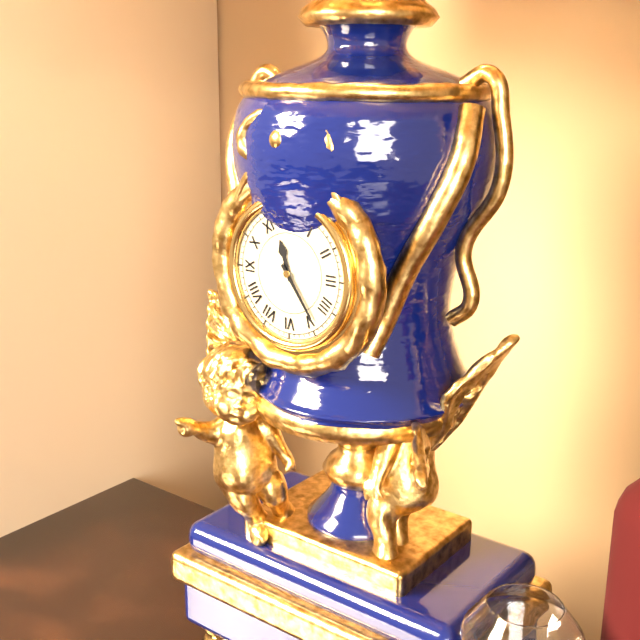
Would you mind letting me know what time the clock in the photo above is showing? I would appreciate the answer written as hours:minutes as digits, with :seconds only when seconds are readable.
11:24
